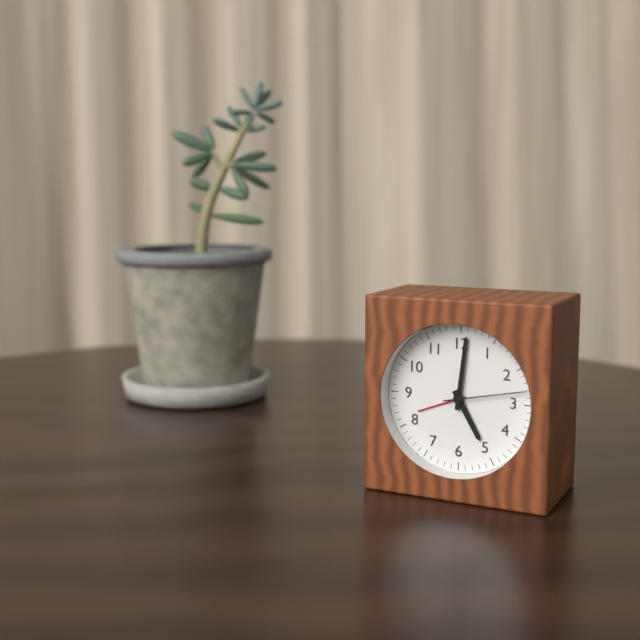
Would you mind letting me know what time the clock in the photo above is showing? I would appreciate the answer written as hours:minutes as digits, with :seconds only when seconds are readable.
5:01:13
